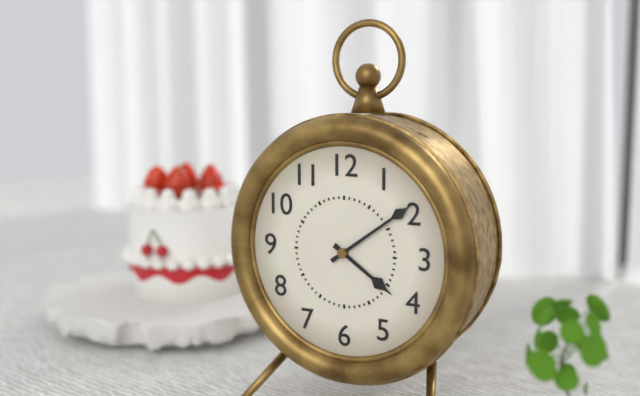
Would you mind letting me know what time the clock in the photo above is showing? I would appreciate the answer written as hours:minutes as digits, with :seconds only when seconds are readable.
4:09
